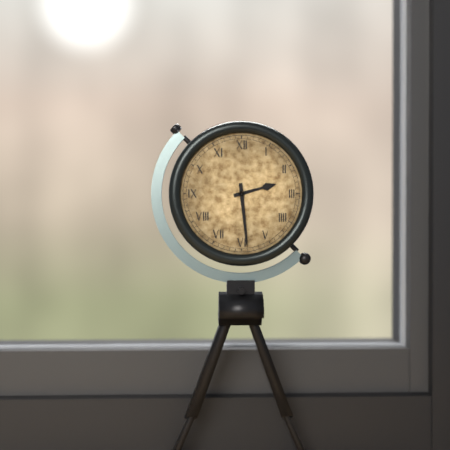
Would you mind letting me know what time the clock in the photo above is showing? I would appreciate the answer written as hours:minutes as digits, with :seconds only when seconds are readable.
2:29
